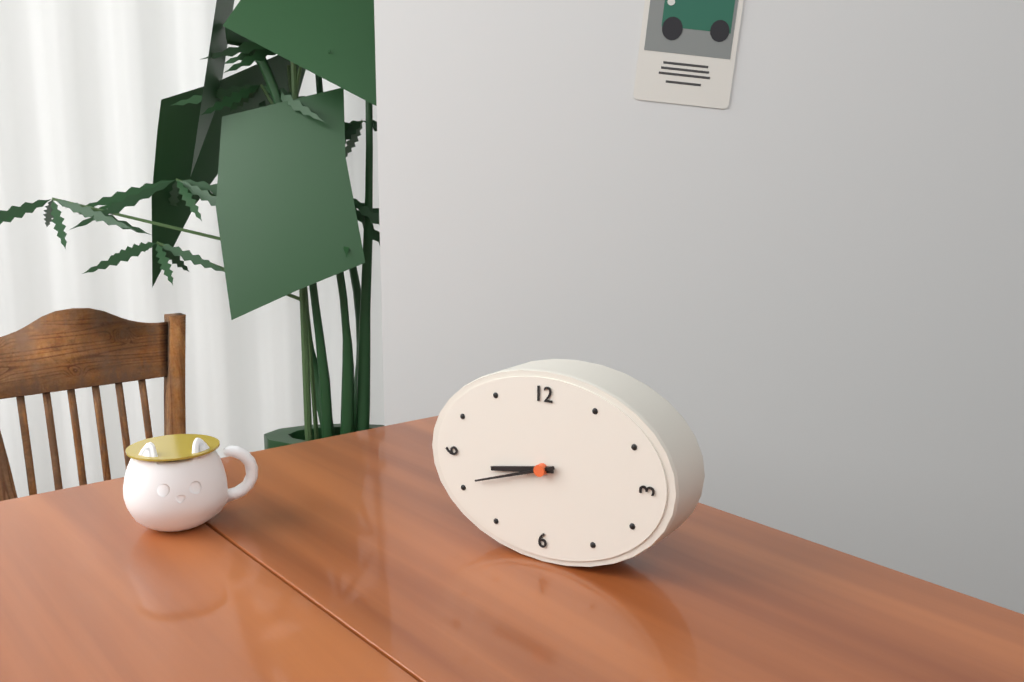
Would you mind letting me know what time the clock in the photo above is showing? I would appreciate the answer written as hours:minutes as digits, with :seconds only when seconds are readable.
8:42
